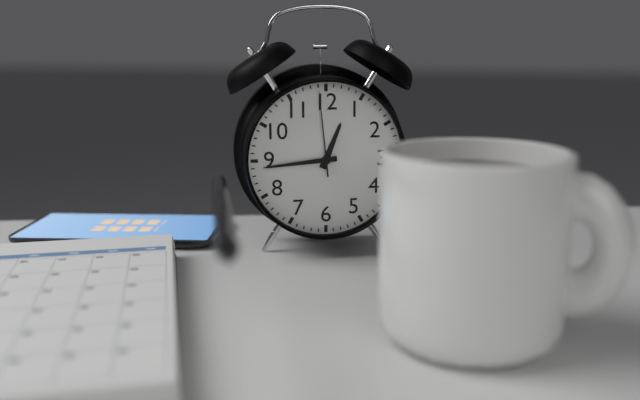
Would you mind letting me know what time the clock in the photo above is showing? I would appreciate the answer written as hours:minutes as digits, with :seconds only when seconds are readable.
12:44:59
